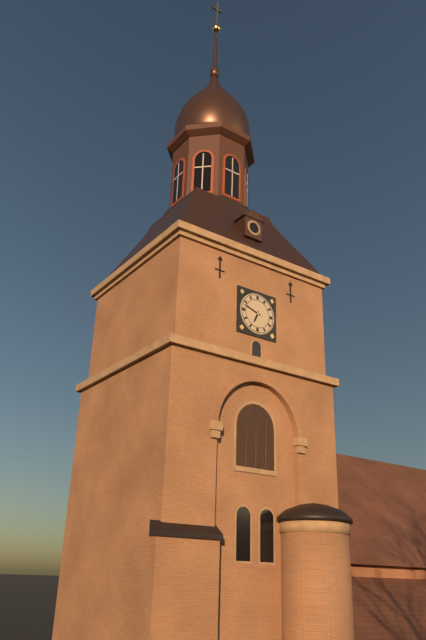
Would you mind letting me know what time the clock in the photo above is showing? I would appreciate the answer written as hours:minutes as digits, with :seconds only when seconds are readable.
6:48
